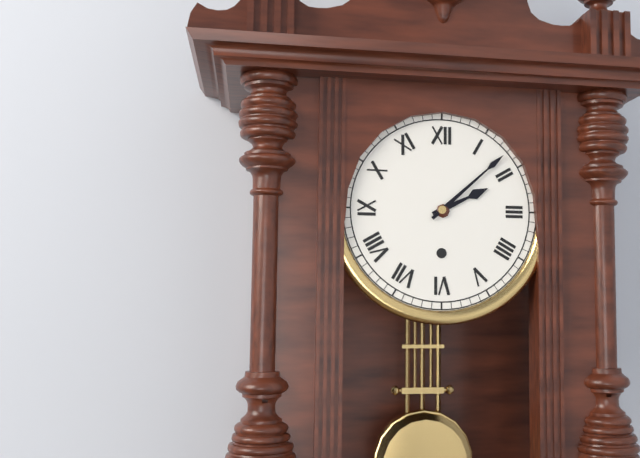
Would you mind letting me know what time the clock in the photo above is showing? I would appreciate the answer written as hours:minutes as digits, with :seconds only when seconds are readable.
2:08
